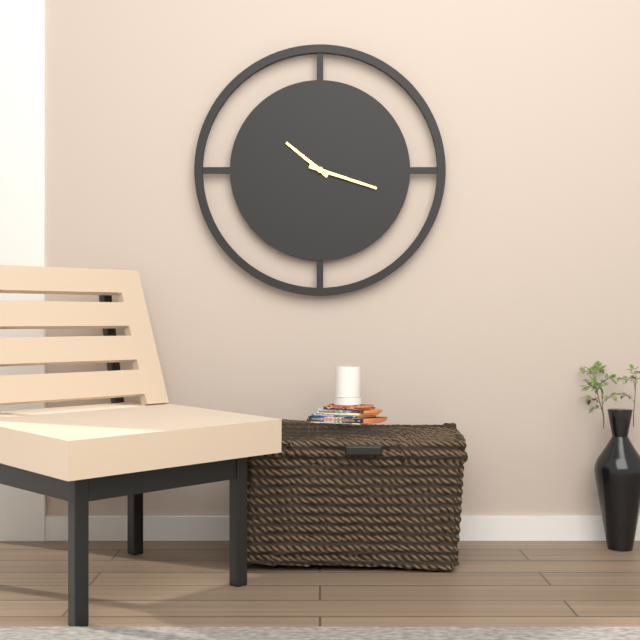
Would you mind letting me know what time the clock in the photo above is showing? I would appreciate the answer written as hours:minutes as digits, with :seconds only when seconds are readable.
10:18
